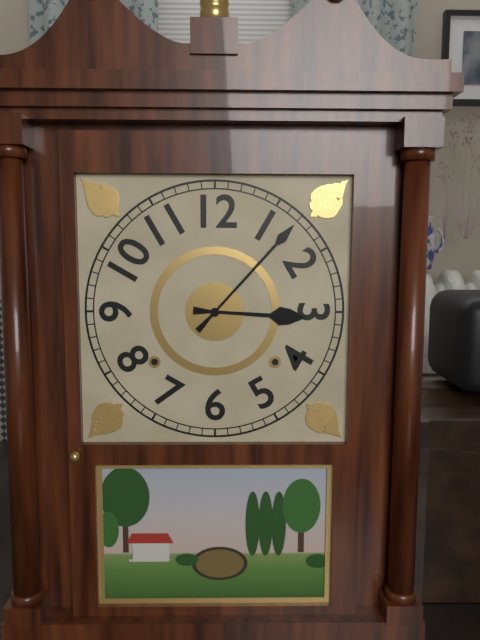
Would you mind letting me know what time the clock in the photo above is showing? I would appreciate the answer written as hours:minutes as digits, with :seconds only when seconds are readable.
3:07
